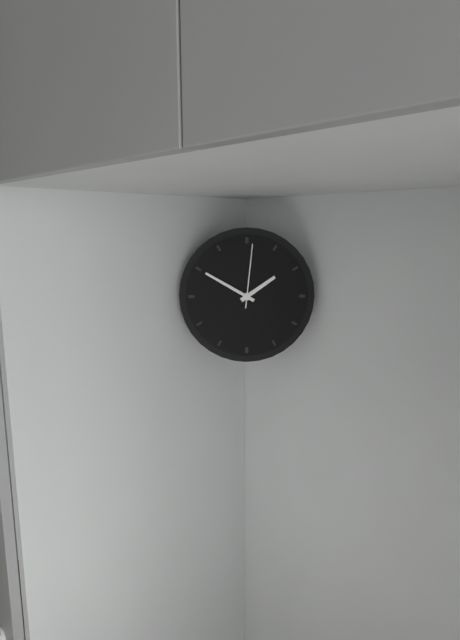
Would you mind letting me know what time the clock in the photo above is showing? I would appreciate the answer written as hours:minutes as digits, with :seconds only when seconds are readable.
1:50:01
